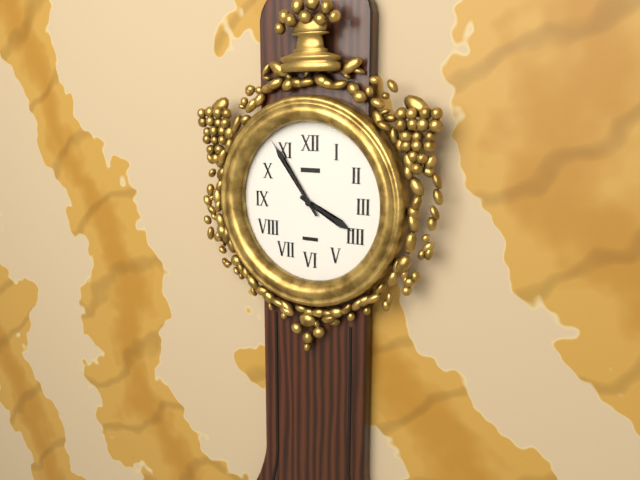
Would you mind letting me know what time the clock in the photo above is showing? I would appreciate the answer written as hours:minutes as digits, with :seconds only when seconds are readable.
3:54
